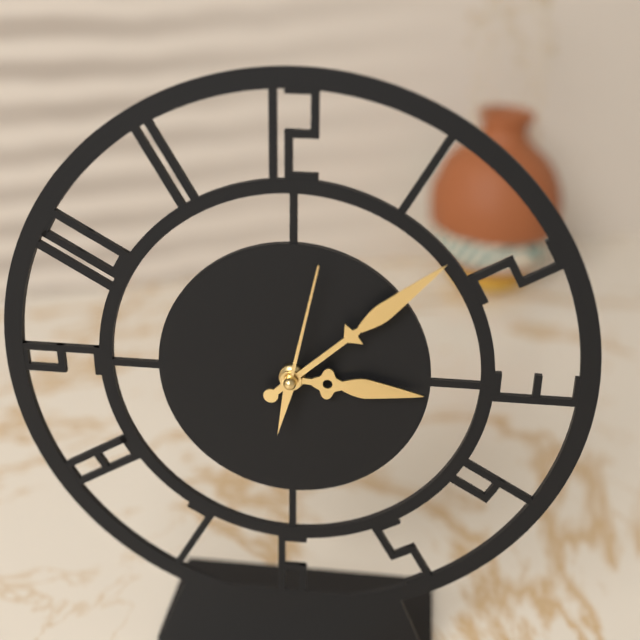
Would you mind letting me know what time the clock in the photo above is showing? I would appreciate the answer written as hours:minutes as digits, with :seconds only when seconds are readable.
3:08:02
